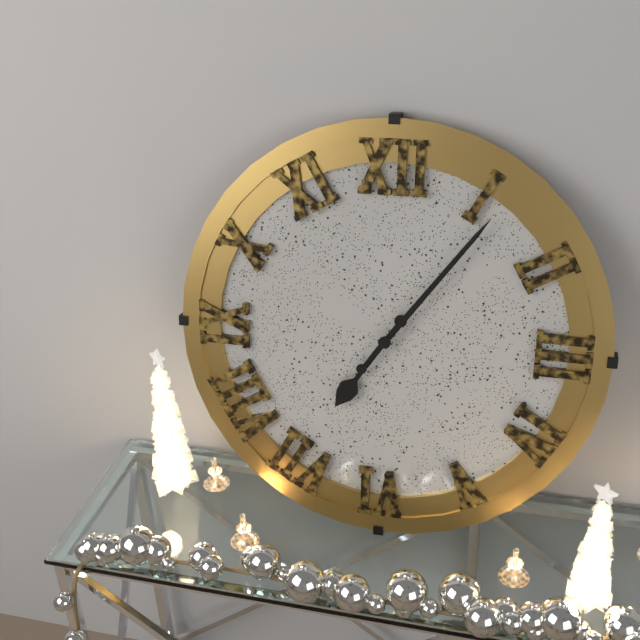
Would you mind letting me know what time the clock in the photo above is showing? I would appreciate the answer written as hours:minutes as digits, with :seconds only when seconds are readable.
7:06
